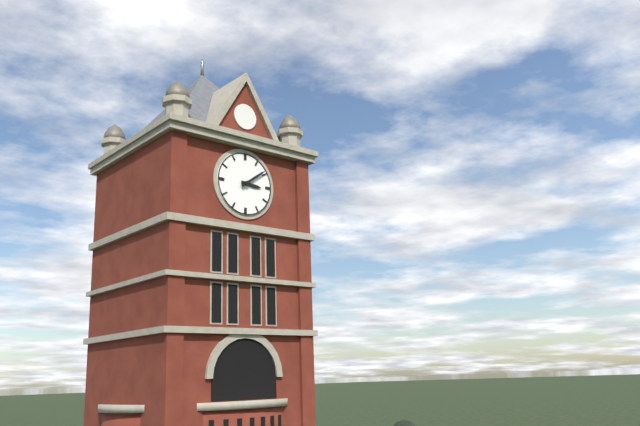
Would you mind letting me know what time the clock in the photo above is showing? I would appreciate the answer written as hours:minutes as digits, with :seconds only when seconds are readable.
3:09
